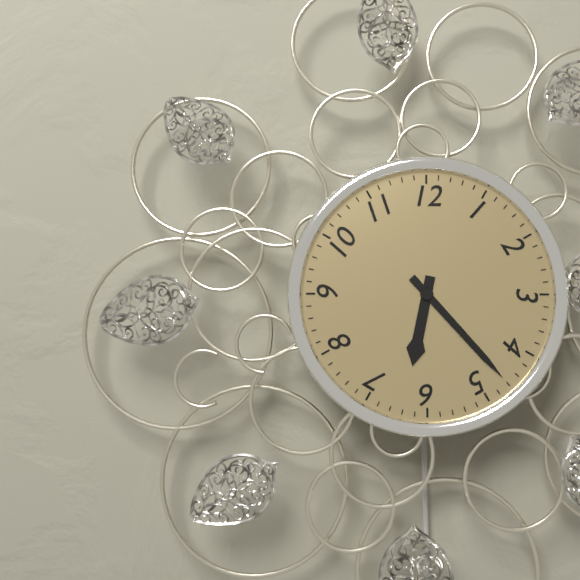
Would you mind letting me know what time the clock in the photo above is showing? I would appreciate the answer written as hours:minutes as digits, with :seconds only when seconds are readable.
6:23
